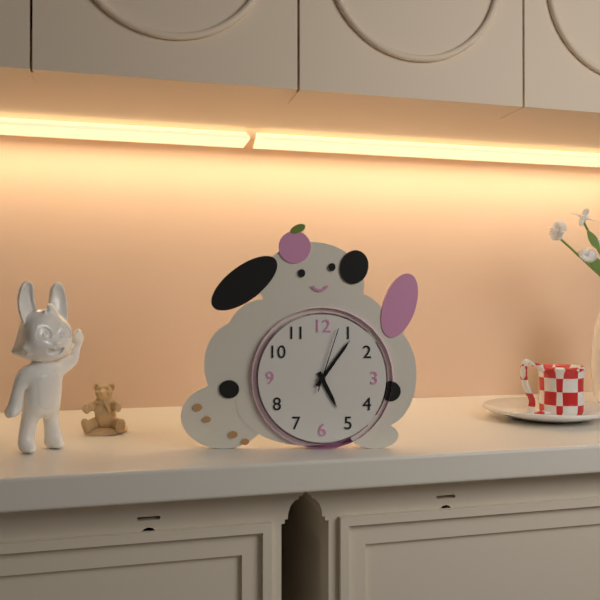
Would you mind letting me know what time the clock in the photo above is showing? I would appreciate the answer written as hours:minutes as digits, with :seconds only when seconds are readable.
5:06:03
